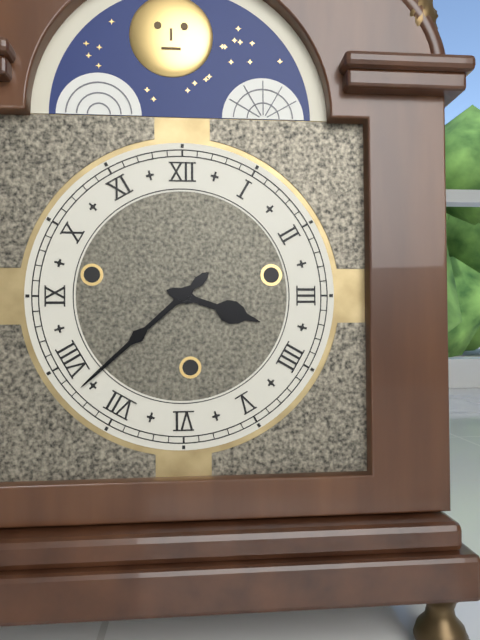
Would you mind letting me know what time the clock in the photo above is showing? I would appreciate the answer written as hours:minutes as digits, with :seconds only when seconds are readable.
3:38
